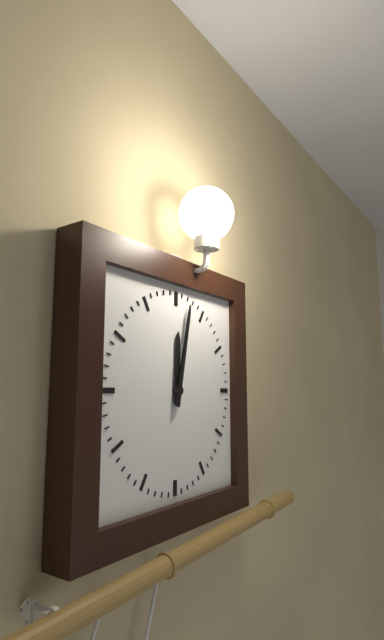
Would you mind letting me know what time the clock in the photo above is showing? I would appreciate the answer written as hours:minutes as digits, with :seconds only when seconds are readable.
12:02
